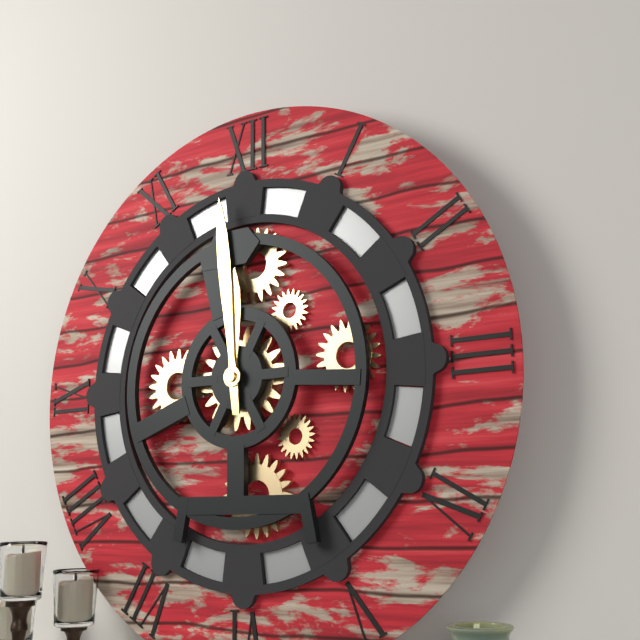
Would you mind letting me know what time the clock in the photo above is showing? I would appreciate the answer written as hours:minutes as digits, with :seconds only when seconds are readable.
11:59
